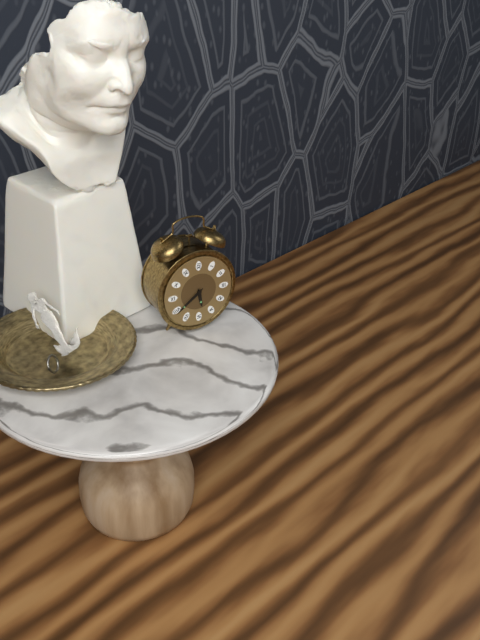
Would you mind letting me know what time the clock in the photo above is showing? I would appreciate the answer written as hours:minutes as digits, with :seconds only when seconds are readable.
5:39
